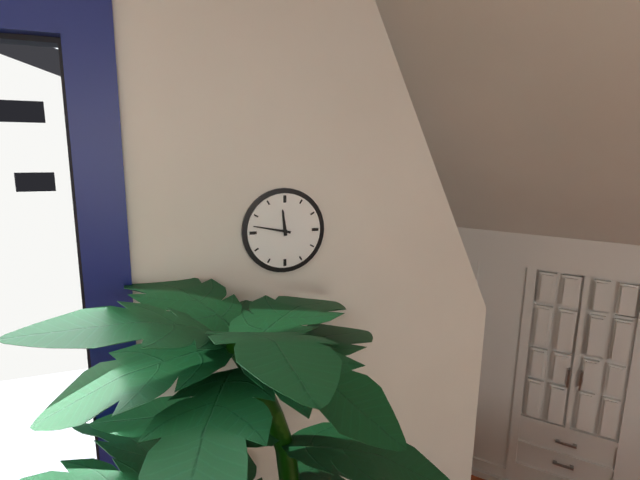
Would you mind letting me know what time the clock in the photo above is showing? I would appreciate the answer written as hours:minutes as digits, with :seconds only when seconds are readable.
11:47
